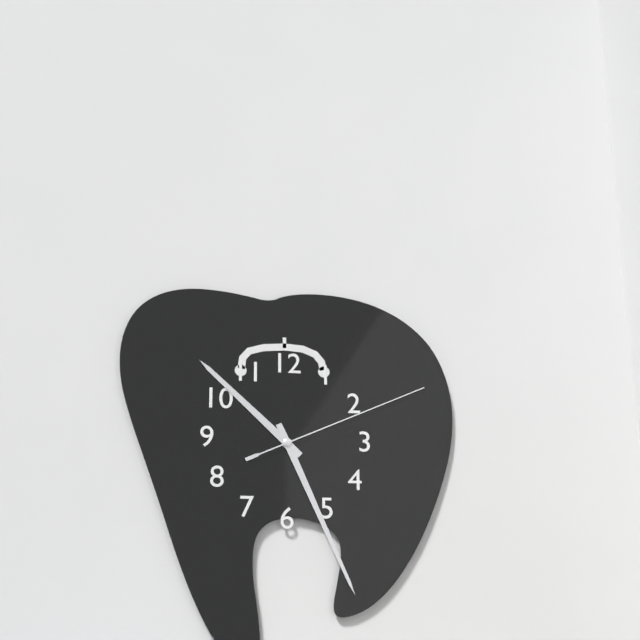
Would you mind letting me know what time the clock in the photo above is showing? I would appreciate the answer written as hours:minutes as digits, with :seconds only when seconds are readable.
10:26:11
